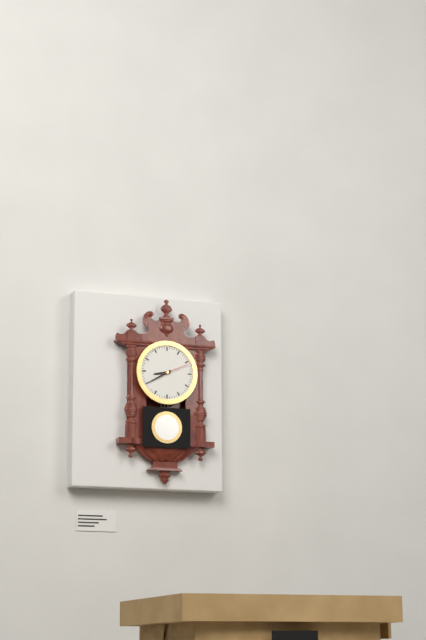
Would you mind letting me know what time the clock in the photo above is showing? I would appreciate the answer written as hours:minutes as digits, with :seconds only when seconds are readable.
8:40
